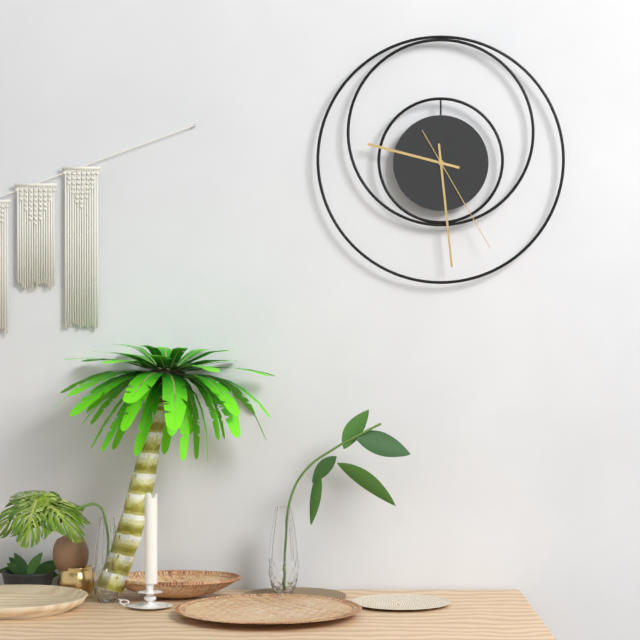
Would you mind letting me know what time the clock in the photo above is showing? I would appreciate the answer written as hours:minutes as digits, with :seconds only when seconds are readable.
9:29:25
